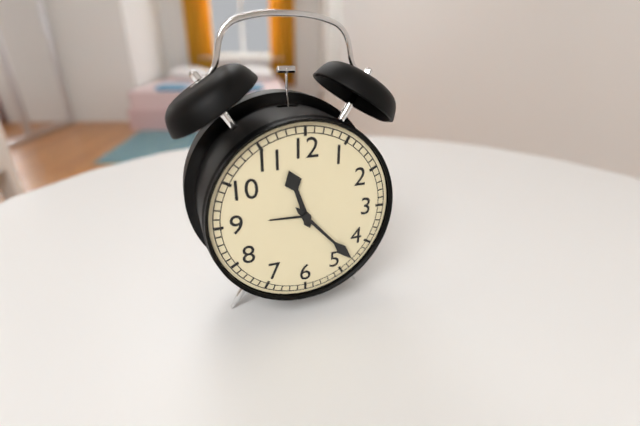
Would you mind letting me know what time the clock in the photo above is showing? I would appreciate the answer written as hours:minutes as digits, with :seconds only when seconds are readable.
11:23
